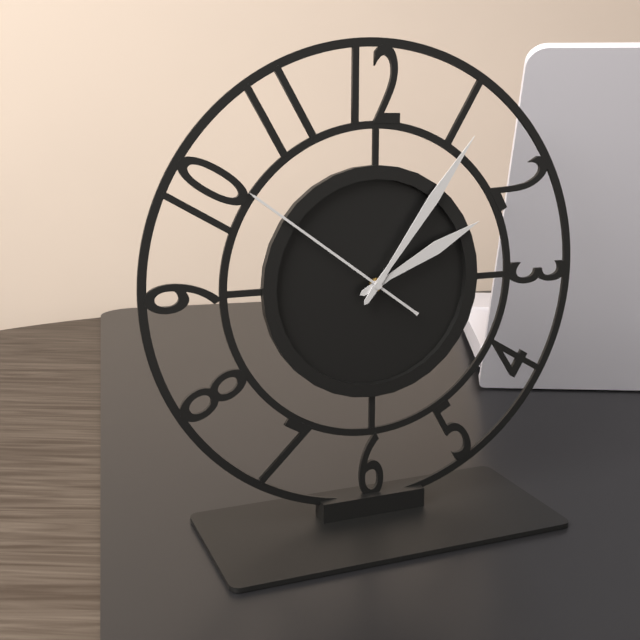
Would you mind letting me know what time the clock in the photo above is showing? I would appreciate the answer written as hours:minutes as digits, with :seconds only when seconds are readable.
2:06:51
